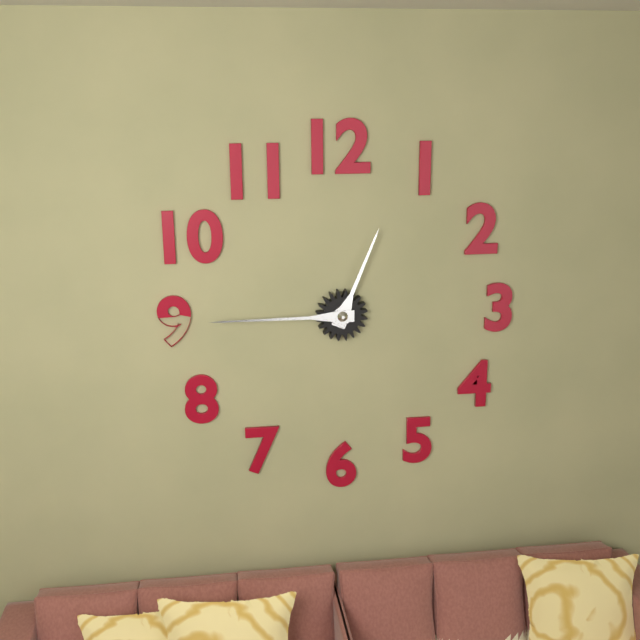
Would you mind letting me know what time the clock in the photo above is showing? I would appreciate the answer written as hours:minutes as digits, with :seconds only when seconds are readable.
12:45
